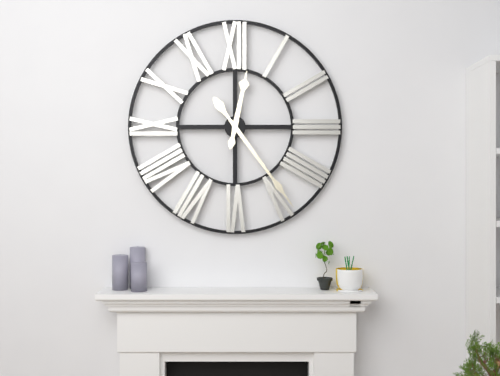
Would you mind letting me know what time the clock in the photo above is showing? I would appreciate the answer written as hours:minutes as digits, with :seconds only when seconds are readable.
12:24
